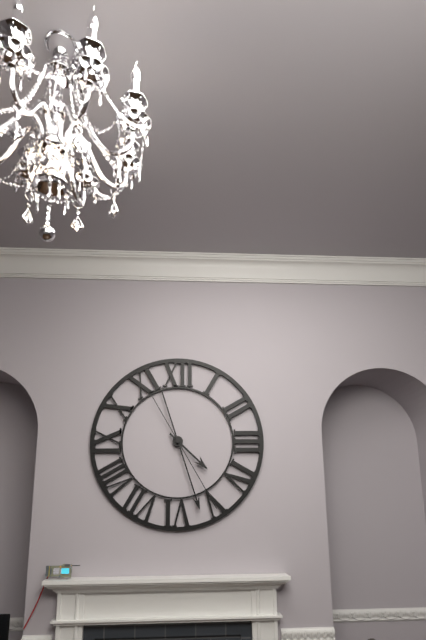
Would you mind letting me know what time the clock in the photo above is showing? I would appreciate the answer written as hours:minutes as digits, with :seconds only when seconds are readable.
4:27:25
